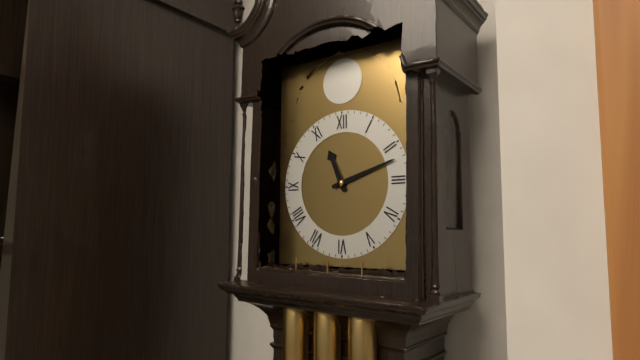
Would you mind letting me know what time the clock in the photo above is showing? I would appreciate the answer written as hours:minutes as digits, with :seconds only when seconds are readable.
11:12
